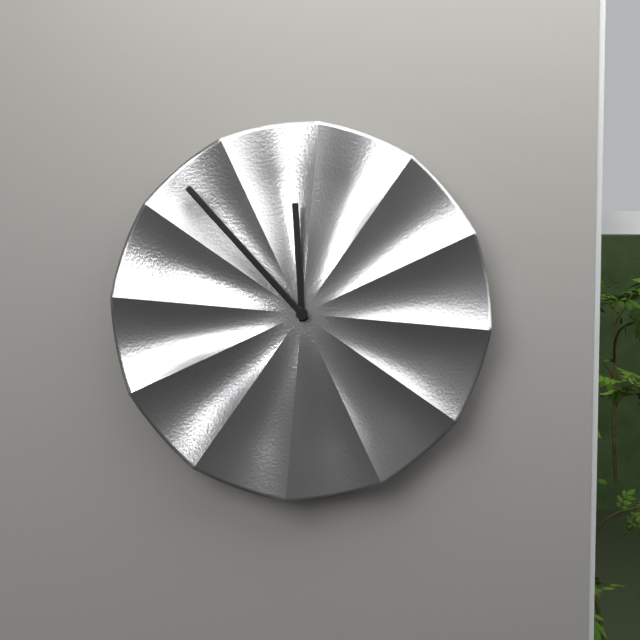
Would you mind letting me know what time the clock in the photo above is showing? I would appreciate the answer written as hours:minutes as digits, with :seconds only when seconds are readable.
11:53
